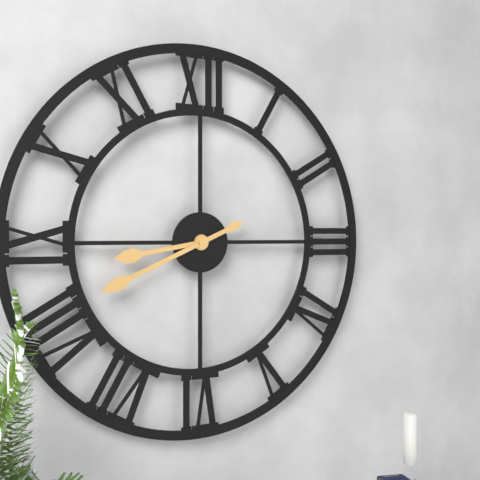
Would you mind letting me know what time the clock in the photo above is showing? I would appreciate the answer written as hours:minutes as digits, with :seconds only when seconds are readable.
8:41
